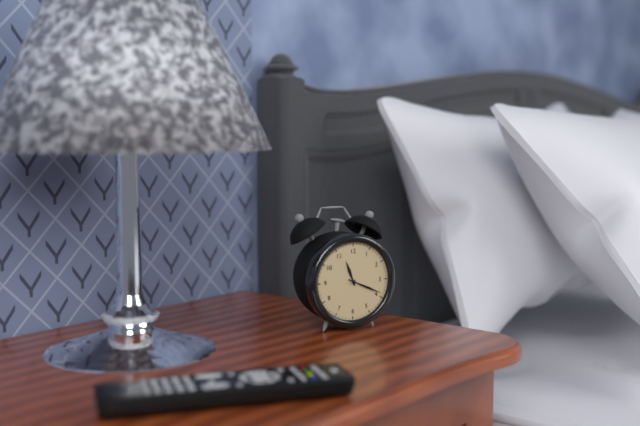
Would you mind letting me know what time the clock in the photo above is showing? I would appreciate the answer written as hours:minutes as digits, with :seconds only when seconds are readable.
11:19
